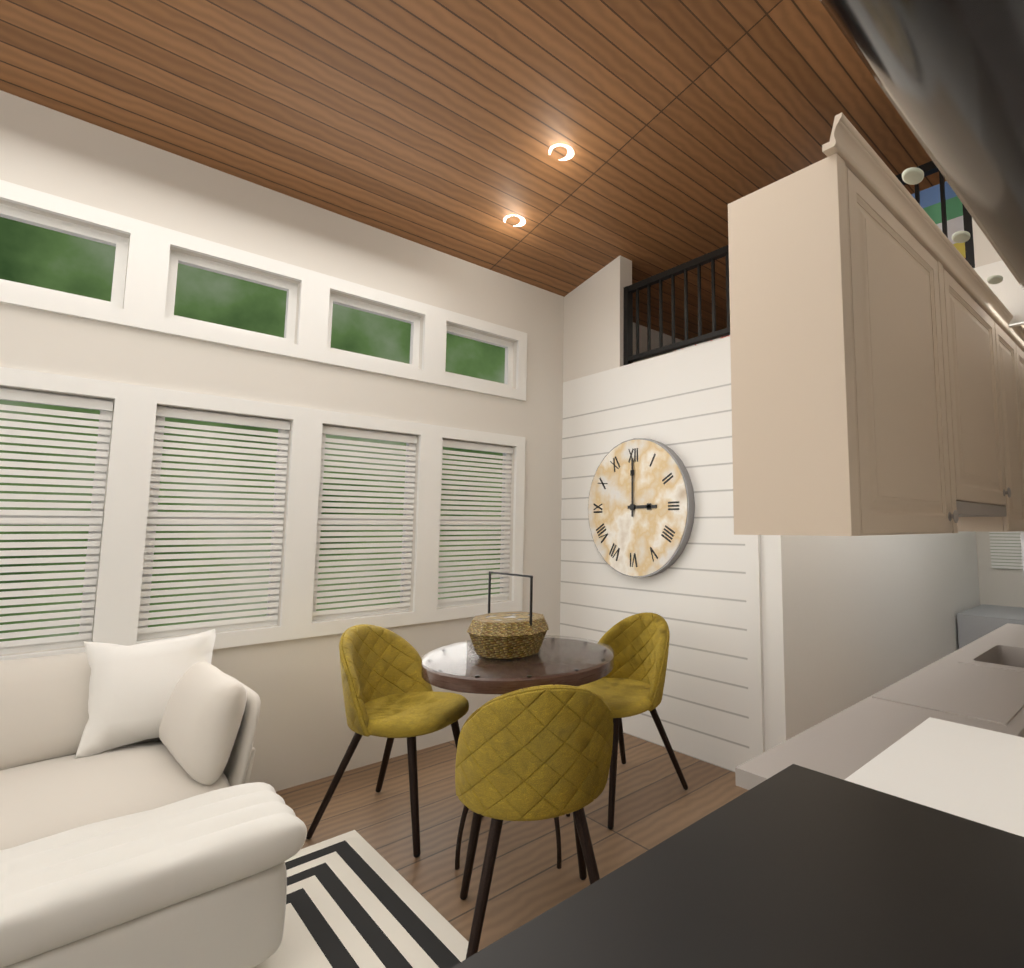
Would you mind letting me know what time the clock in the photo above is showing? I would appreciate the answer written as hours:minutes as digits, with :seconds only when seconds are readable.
3:00
